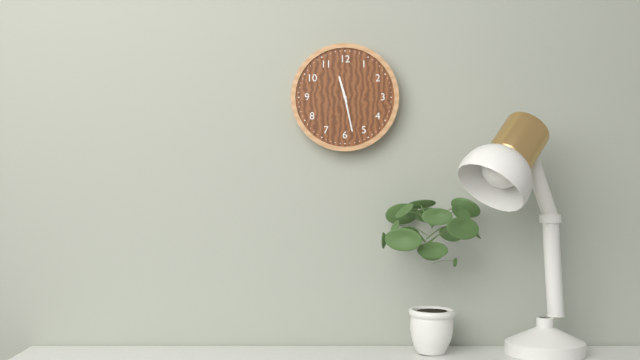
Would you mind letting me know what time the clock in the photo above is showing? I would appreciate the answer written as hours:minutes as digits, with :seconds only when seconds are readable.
11:28
